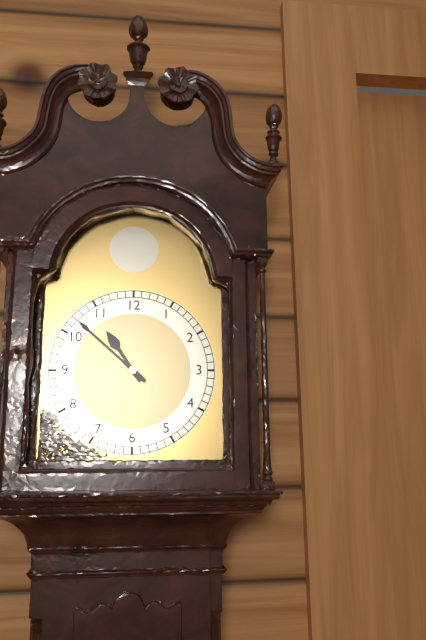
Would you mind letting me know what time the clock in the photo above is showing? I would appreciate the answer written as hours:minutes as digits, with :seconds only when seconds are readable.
10:52
